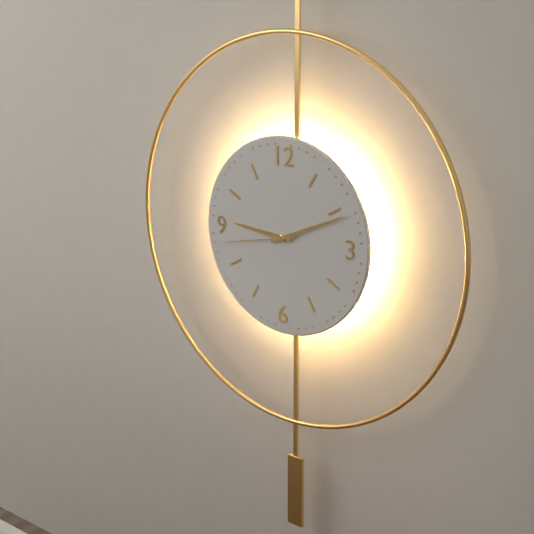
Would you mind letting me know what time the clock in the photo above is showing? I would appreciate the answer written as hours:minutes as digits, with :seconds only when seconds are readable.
9:11:43
